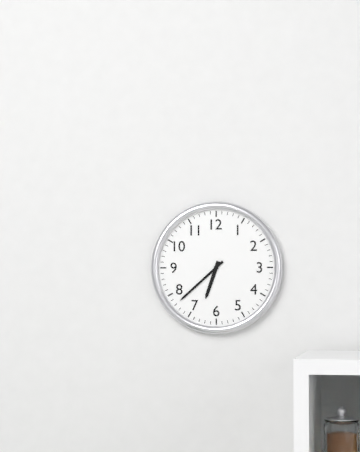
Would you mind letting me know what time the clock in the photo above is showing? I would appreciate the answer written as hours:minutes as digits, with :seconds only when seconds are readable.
6:38
